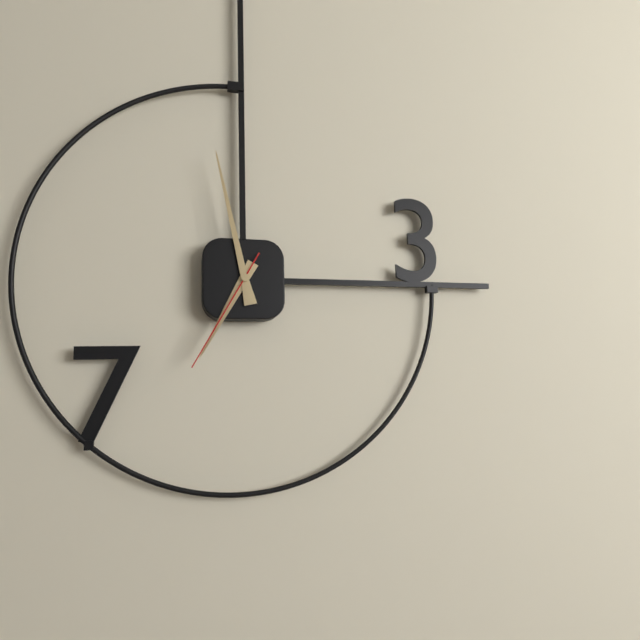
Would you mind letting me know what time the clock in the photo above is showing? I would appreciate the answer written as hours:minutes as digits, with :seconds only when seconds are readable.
6:58:35
